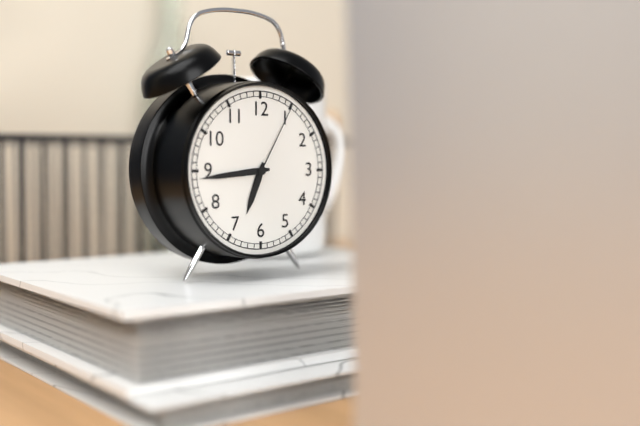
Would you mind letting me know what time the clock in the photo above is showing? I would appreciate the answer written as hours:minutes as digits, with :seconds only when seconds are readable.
6:44:05
